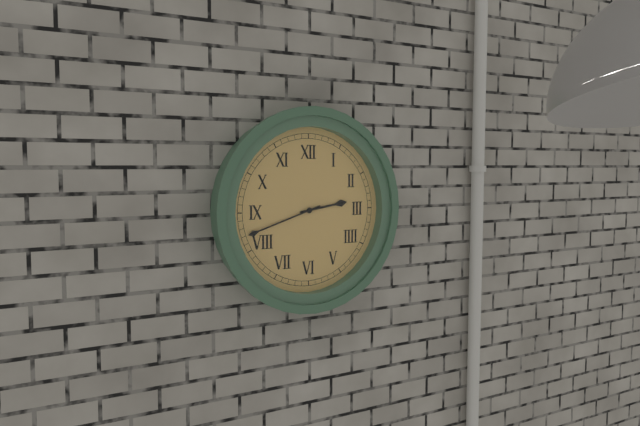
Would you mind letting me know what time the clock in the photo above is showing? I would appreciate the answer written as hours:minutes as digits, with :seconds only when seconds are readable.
2:42
